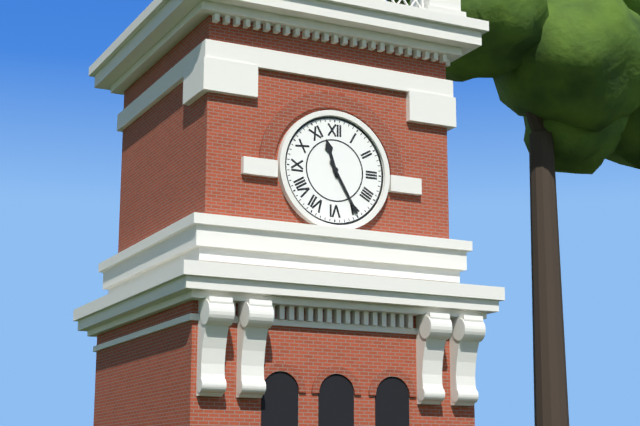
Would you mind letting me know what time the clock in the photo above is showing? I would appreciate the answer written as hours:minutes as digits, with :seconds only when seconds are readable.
11:25
